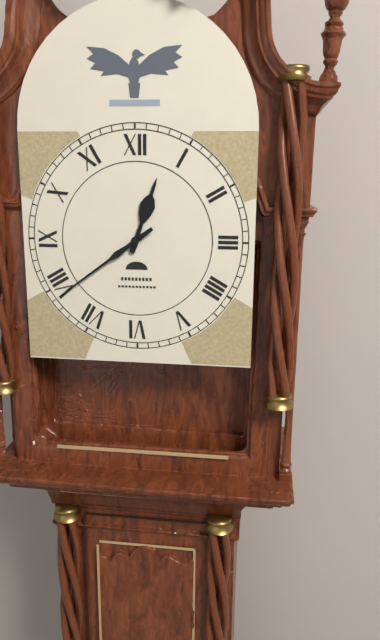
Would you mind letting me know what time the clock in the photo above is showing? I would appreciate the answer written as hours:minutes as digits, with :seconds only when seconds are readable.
12:39
